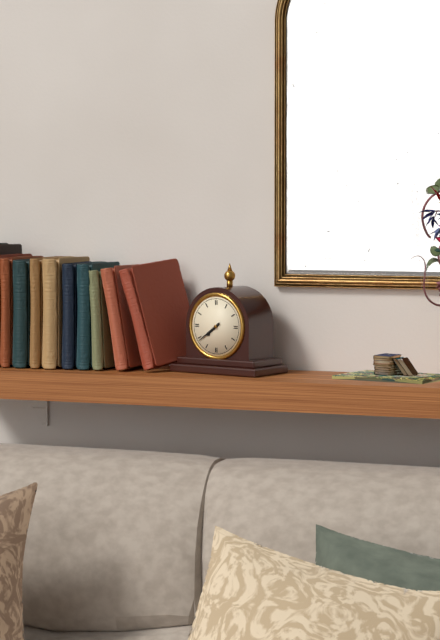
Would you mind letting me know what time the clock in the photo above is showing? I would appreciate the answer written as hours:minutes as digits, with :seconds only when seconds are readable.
7:39
